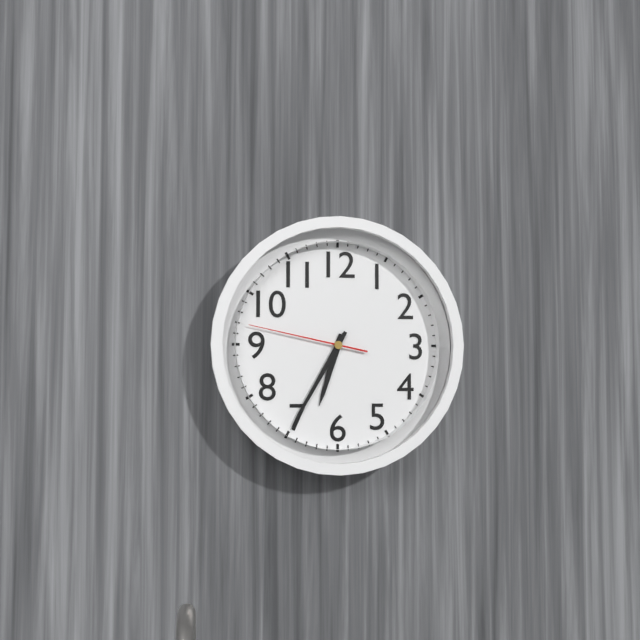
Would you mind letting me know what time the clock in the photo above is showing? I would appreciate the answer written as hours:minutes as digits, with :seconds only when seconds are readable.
6:35:47
